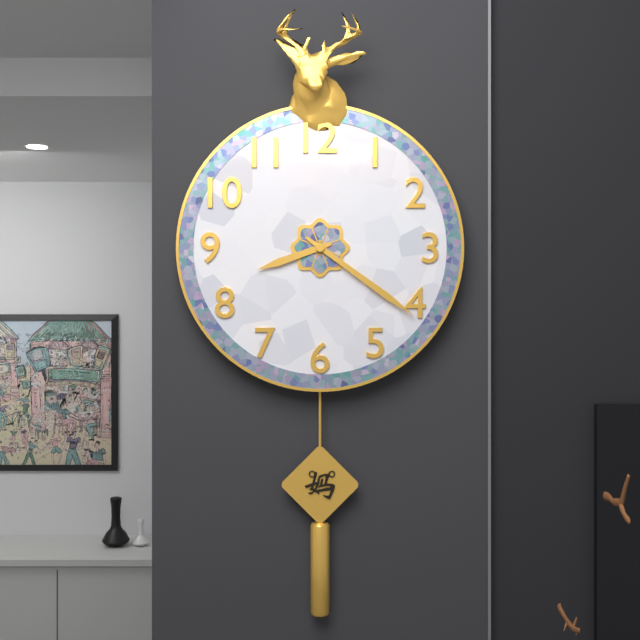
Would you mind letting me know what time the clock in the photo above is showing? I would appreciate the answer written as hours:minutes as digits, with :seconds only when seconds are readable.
8:21
